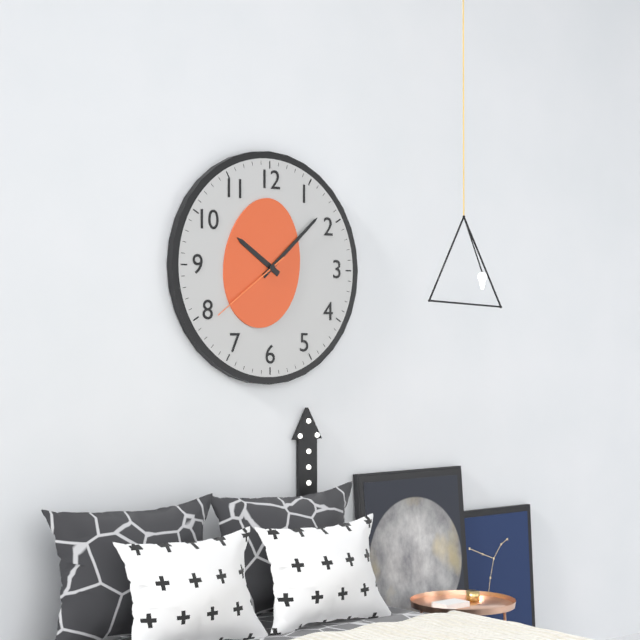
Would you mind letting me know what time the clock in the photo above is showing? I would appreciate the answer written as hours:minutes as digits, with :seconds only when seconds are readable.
10:08:39
